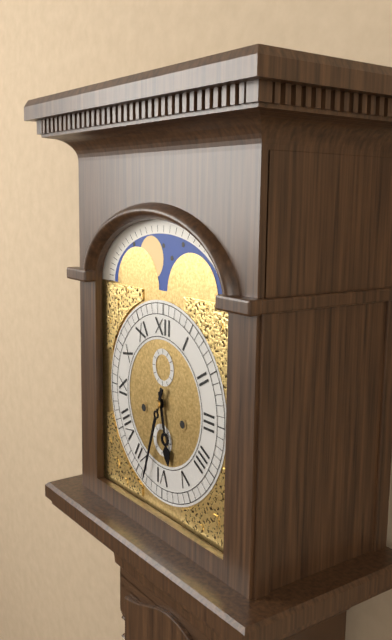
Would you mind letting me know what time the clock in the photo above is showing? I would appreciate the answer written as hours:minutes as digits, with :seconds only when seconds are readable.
5:33
